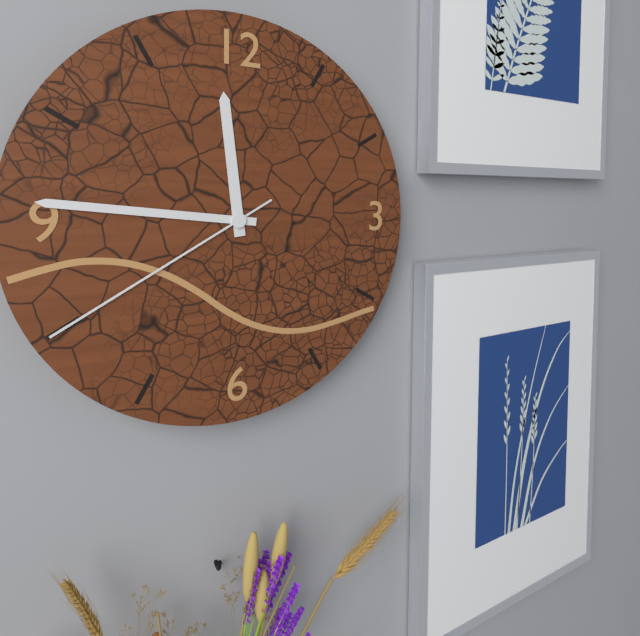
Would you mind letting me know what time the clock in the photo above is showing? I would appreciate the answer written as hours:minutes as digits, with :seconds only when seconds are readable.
11:46:40
